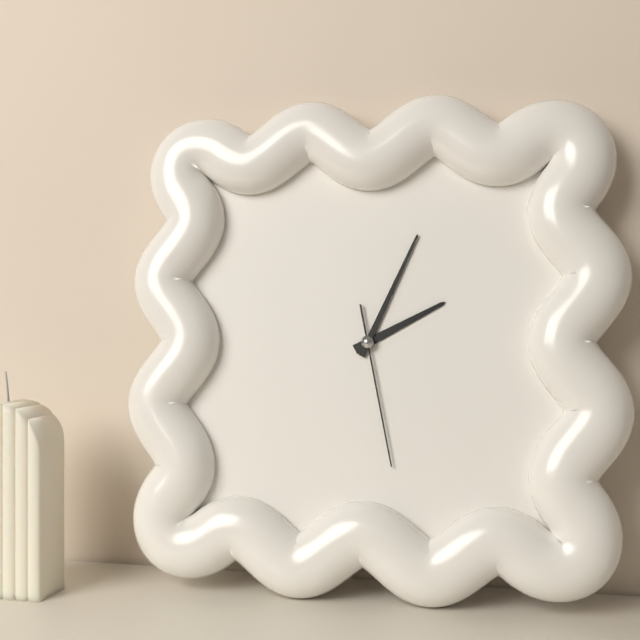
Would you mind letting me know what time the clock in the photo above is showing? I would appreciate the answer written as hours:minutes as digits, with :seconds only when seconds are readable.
2:04:28
